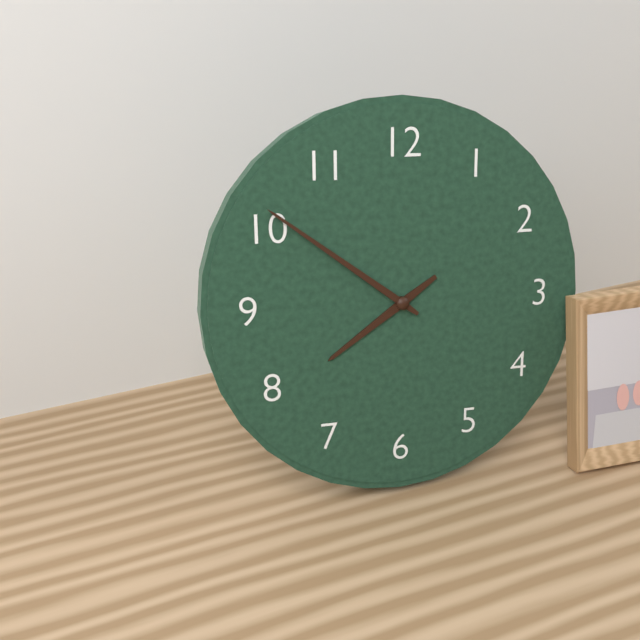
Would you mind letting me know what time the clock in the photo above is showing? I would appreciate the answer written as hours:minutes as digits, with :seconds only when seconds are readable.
7:51
